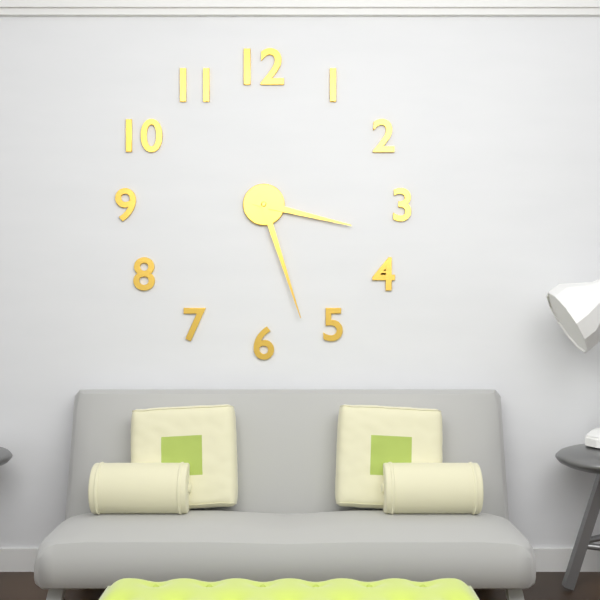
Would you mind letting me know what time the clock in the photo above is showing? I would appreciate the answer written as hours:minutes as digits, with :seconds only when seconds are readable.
3:27
